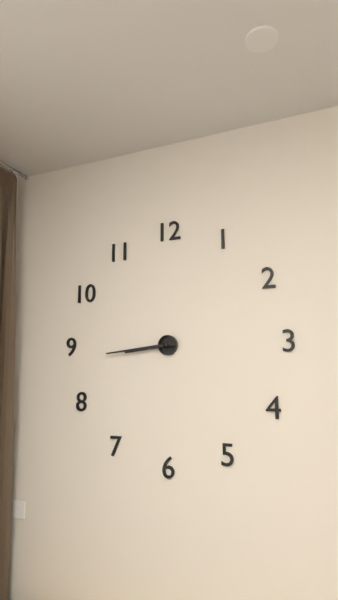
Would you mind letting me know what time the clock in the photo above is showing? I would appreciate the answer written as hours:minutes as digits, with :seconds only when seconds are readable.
8:44
